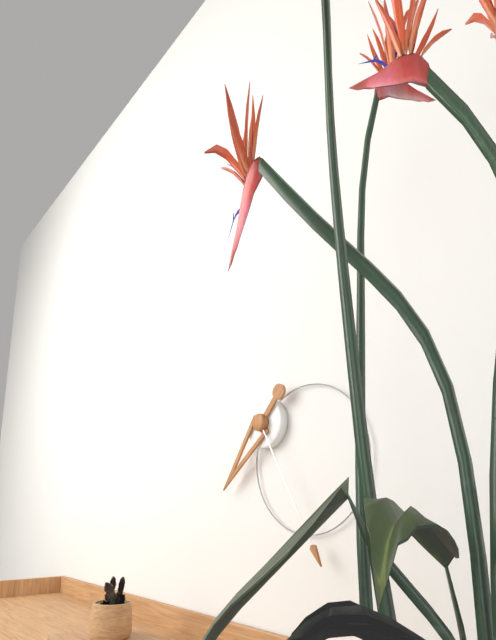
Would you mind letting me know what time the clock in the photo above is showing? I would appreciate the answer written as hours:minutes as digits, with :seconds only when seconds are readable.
7:25
